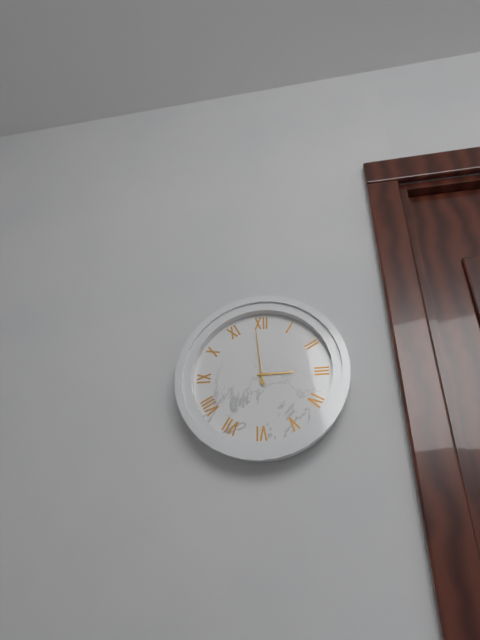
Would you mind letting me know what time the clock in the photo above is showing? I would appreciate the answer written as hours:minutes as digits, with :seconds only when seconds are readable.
2:59
